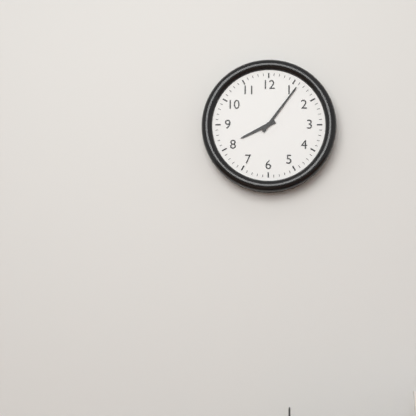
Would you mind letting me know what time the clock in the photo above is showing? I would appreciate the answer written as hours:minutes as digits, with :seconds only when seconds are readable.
8:06
